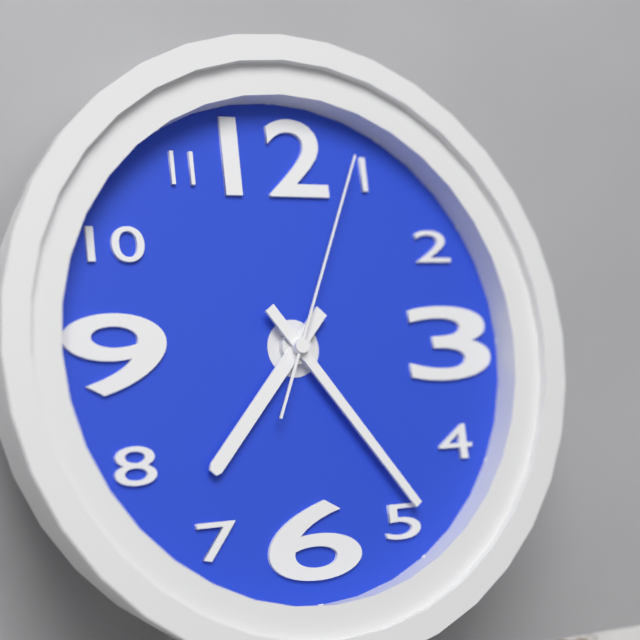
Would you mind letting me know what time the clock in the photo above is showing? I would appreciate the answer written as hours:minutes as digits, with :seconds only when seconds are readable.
7:24:04
